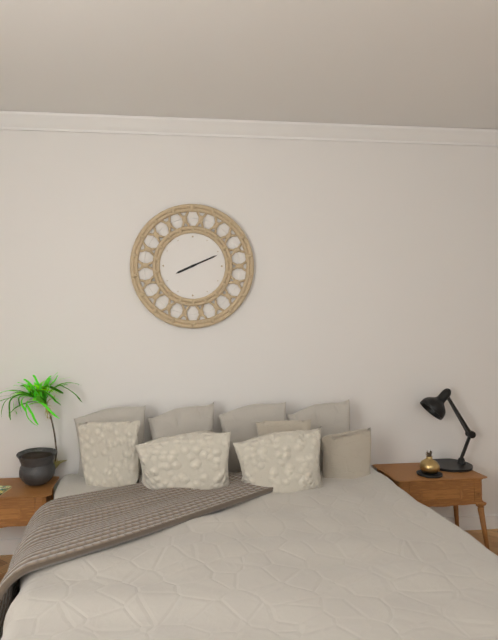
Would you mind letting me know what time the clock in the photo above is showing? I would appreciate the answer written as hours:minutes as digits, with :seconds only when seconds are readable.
8:11
